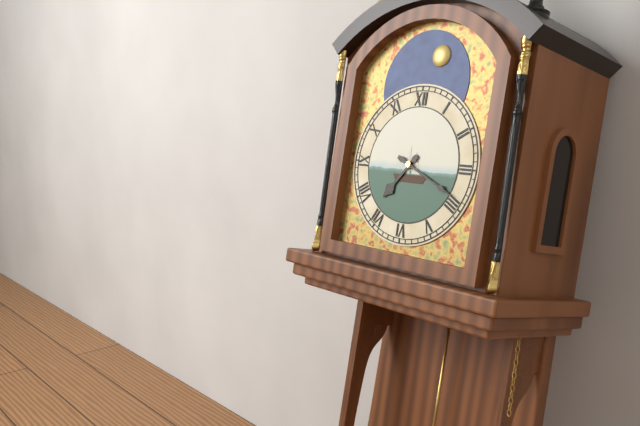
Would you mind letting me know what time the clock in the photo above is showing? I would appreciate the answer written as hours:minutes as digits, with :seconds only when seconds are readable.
7:19
